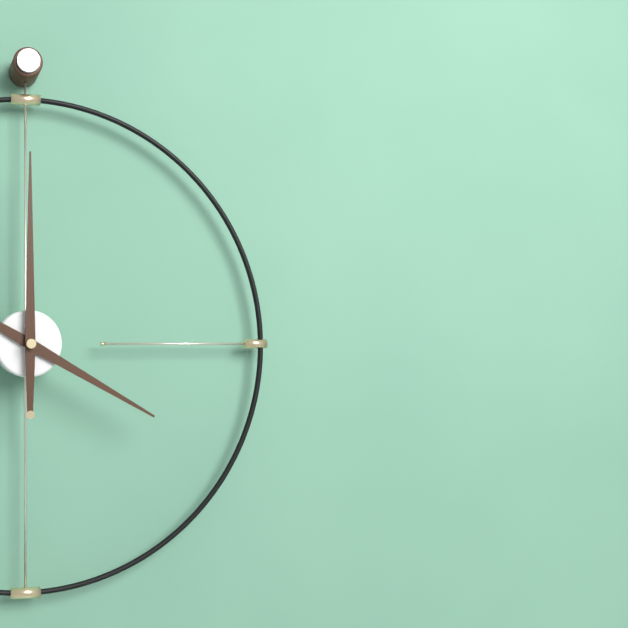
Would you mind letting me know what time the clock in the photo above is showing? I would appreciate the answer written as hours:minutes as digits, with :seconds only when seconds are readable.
4:00
